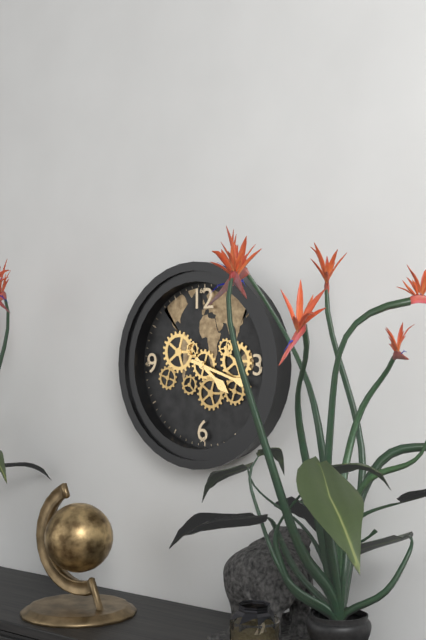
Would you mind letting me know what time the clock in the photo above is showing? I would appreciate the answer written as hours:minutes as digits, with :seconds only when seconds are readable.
4:18
